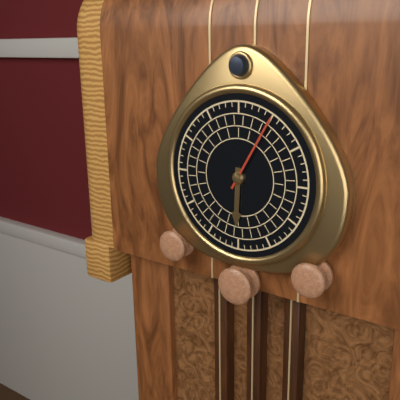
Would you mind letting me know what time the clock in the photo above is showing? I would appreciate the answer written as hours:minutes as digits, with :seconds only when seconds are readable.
6:05
